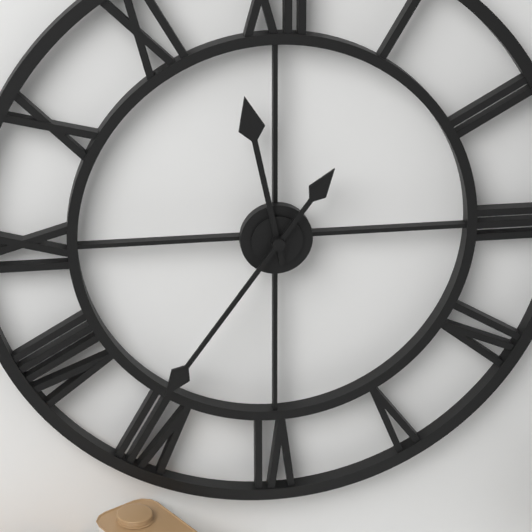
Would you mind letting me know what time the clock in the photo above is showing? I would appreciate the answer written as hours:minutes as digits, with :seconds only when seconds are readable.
11:36
